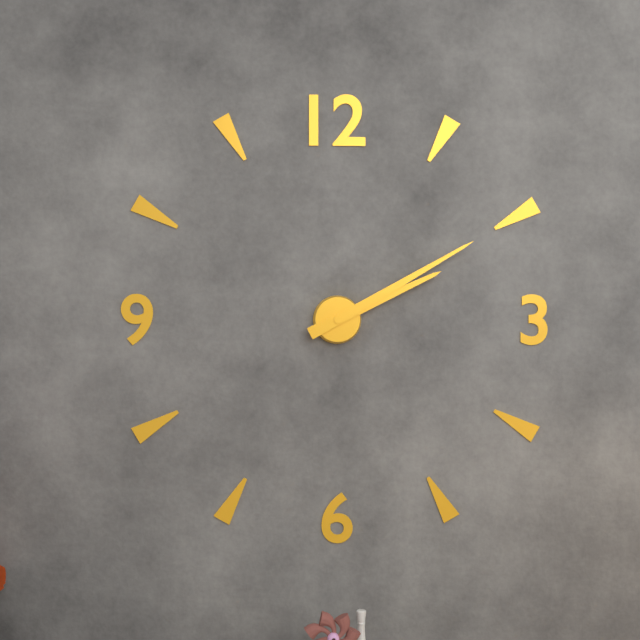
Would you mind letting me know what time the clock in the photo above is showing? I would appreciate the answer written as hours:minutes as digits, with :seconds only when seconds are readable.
2:10
